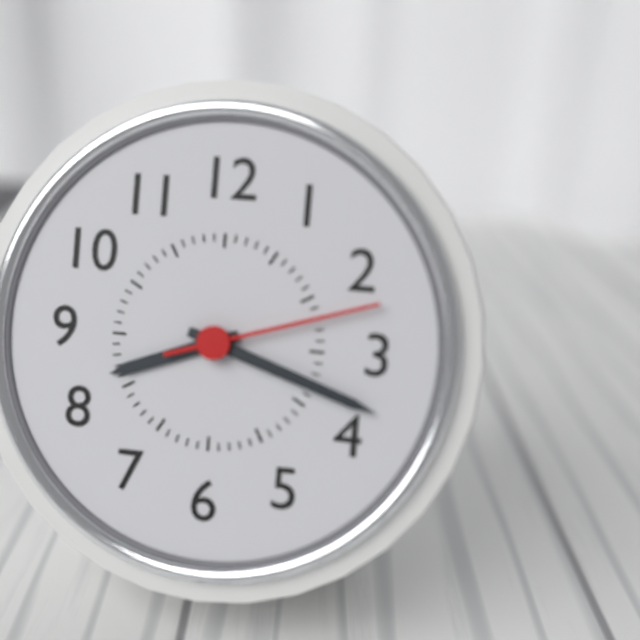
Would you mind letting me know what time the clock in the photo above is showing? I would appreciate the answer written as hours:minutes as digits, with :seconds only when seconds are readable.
8:18:12
